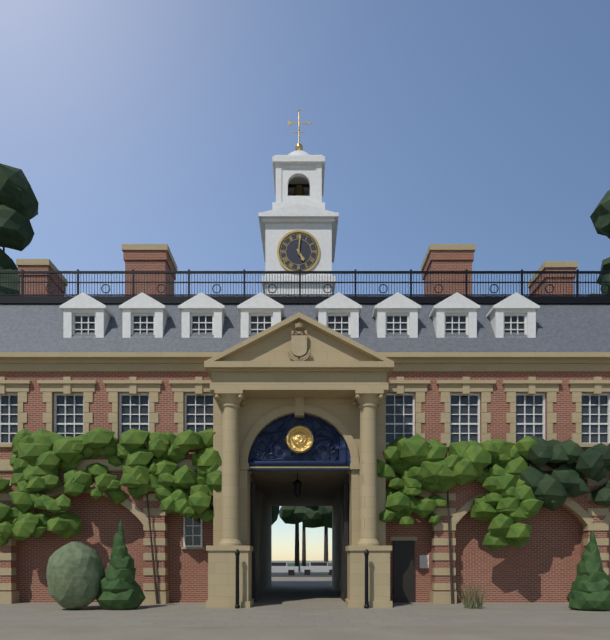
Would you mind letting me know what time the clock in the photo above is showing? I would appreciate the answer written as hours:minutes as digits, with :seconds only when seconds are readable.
5:01
